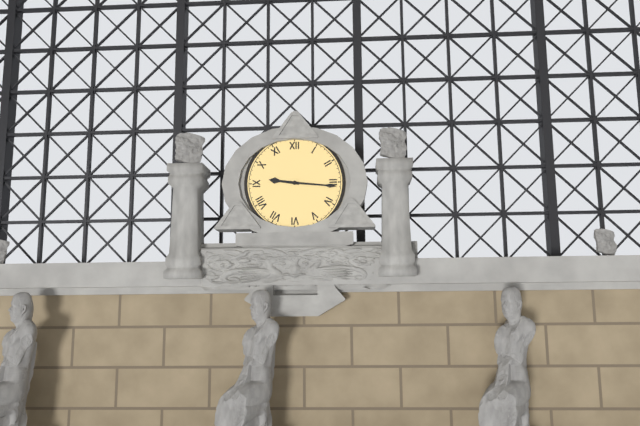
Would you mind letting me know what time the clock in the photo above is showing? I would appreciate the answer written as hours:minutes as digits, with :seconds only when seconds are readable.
9:16
